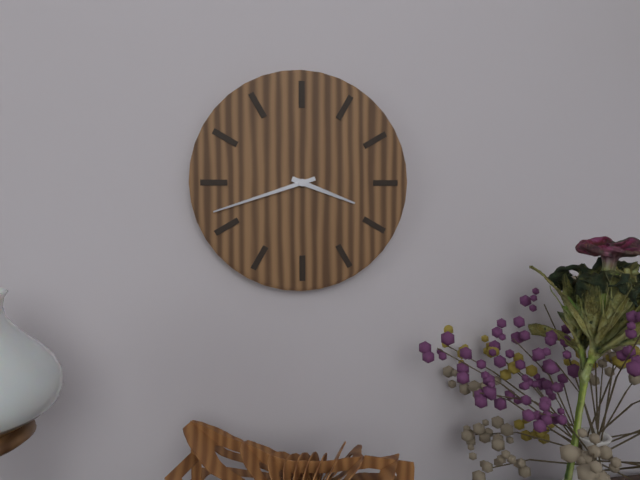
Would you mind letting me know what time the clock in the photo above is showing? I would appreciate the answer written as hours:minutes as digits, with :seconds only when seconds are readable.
3:42
